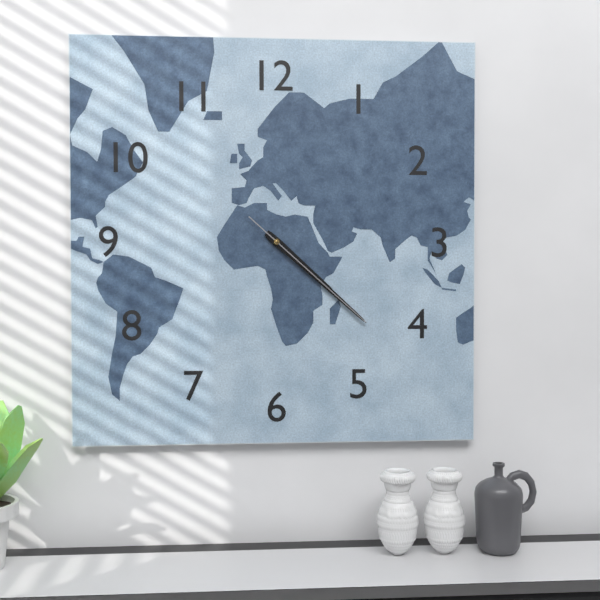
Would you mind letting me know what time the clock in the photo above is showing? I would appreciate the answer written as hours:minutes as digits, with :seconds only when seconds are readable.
4:22:22
